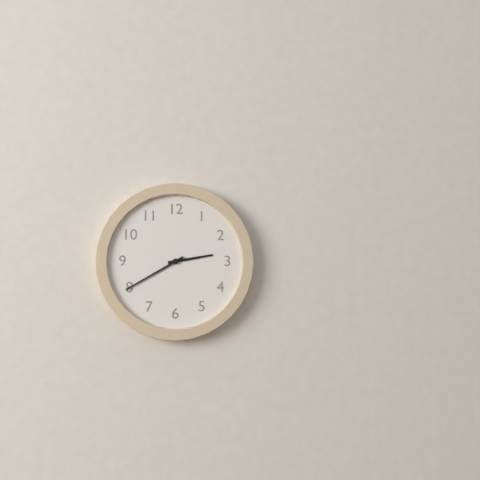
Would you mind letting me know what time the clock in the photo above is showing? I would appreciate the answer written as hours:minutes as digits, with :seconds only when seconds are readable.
2:40
